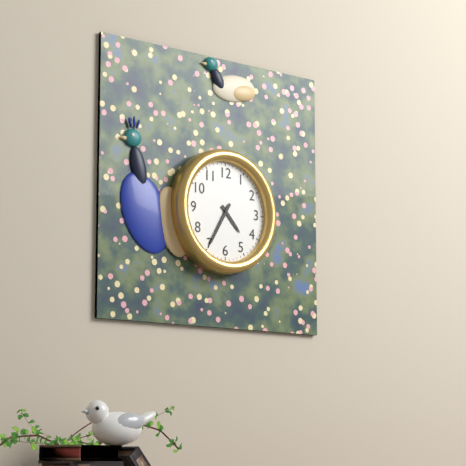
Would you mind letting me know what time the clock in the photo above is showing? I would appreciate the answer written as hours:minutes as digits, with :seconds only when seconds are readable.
4:35
